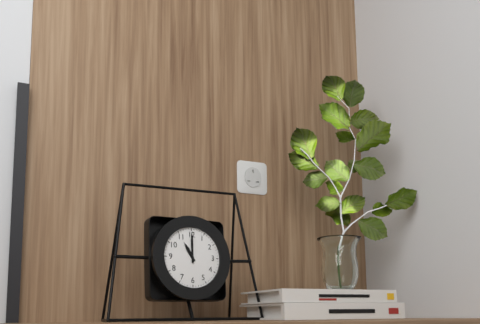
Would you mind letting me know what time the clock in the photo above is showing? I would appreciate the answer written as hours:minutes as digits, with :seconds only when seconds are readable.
11:00
